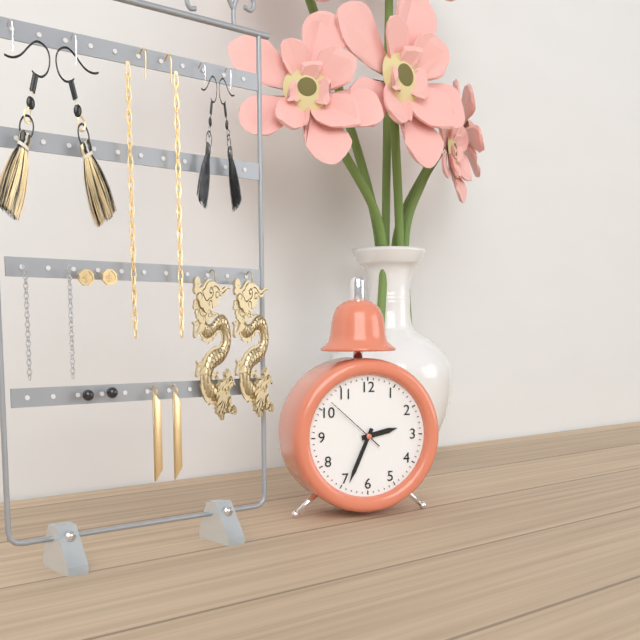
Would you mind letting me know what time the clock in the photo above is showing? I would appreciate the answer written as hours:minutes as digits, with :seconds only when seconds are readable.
2:34:52
